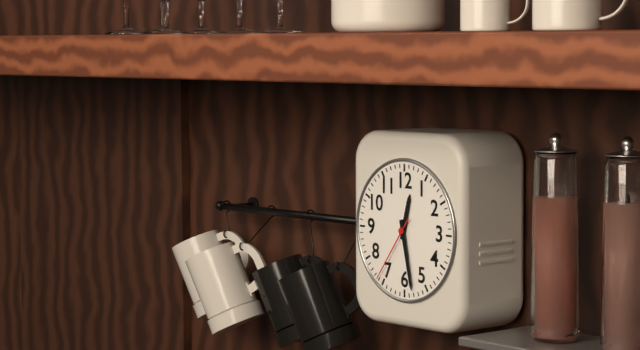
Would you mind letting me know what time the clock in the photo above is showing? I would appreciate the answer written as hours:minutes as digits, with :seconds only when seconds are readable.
12:28:36
